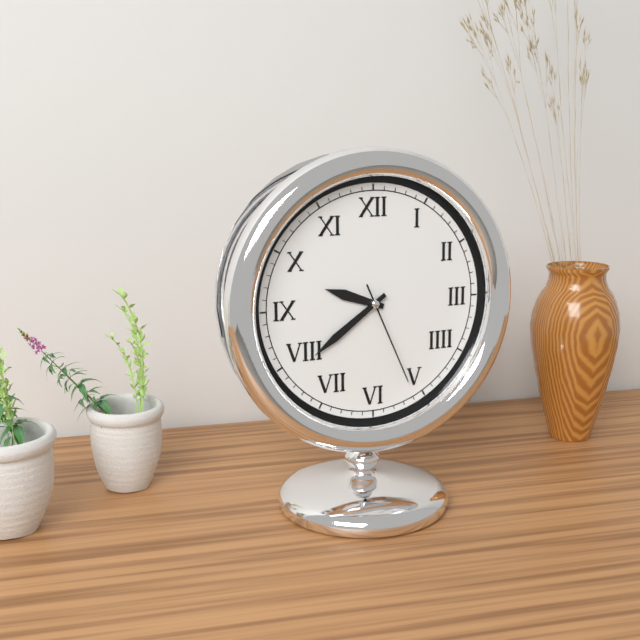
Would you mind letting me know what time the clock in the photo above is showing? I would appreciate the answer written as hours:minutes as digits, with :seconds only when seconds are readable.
9:39:26
